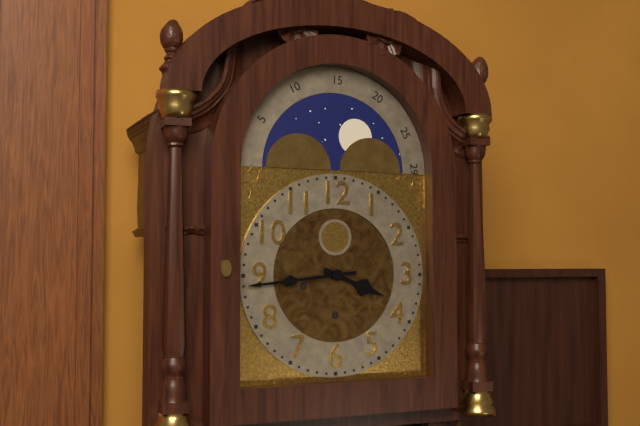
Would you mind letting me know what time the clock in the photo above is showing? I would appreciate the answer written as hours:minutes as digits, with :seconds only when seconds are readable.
3:44
